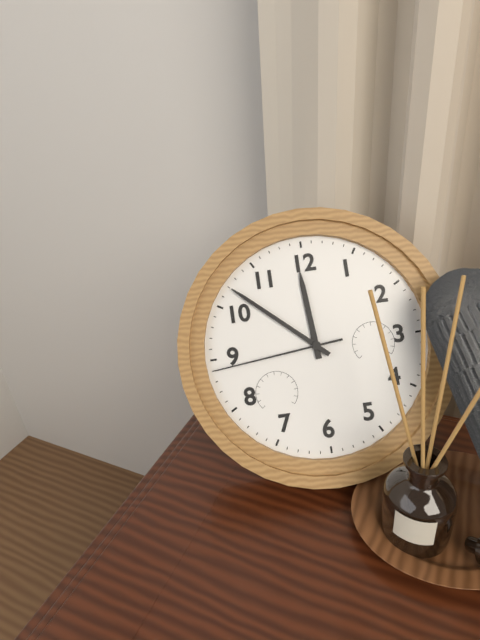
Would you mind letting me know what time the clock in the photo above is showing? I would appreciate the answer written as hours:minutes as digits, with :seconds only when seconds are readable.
11:52:44
